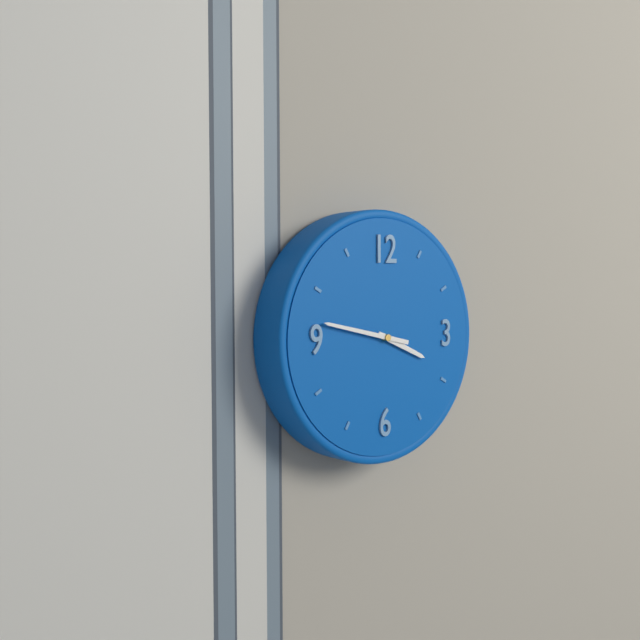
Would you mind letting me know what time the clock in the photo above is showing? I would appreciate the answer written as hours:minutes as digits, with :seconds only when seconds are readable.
3:47
